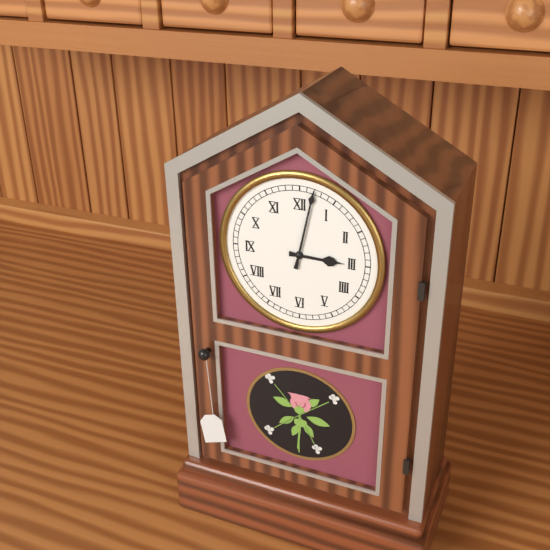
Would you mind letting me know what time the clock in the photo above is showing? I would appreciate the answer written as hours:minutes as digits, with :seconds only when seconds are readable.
3:02
